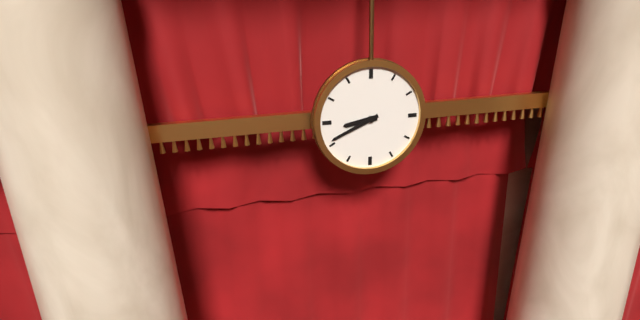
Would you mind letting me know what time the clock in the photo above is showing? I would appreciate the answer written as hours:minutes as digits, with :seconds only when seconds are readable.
8:41
